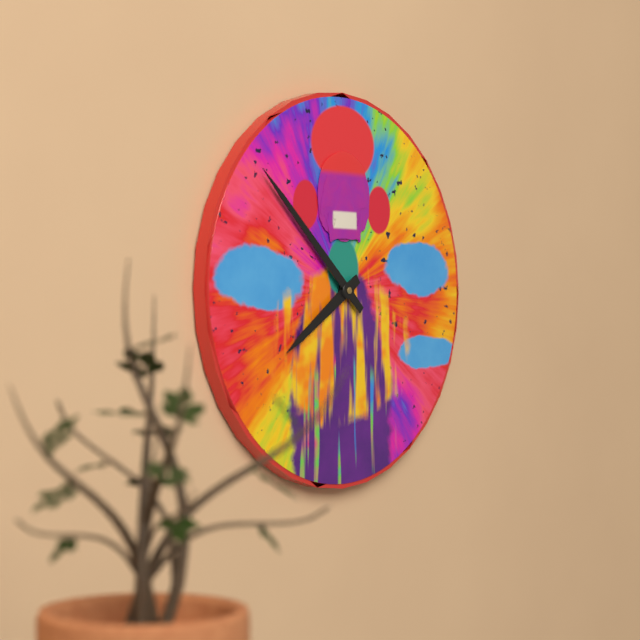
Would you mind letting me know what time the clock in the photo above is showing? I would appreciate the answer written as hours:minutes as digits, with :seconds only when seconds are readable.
7:52
